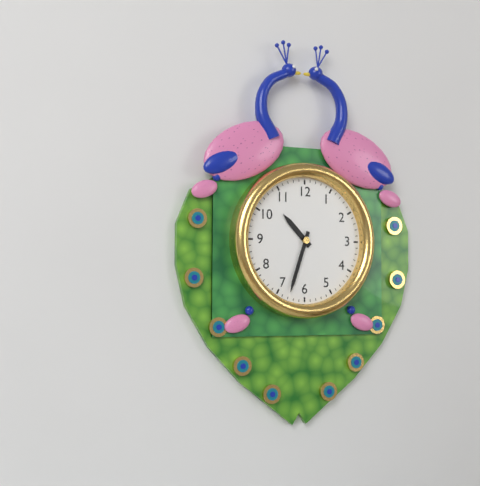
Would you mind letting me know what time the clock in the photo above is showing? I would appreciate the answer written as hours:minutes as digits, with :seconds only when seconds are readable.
10:33
